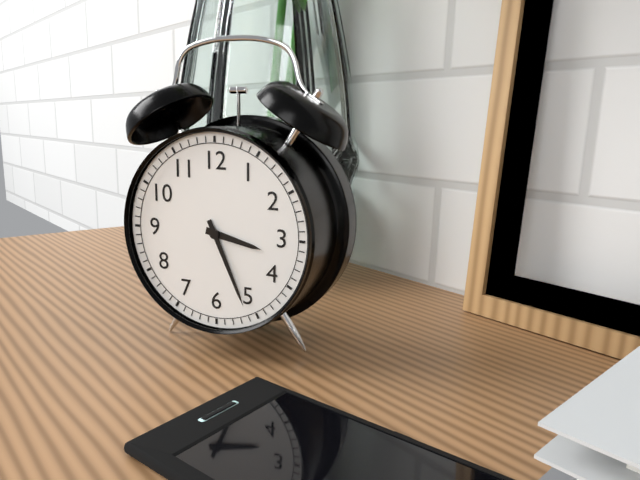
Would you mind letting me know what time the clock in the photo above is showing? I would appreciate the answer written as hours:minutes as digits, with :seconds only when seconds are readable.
3:26
